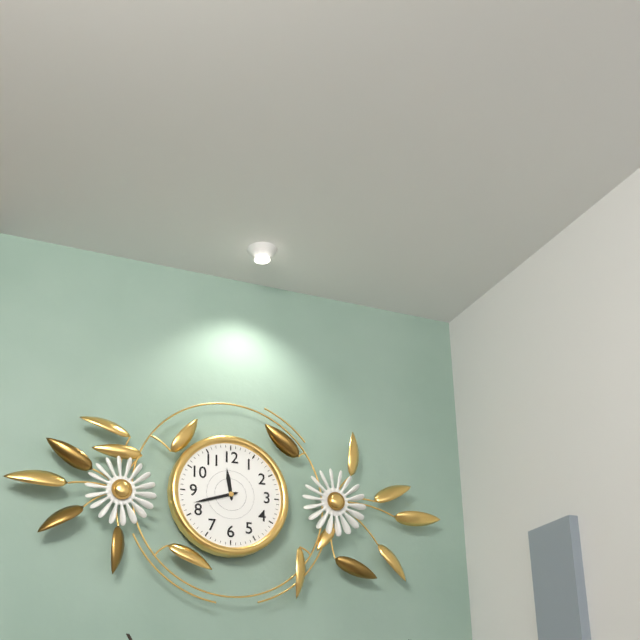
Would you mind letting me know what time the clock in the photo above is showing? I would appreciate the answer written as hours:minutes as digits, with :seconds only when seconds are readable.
11:42
